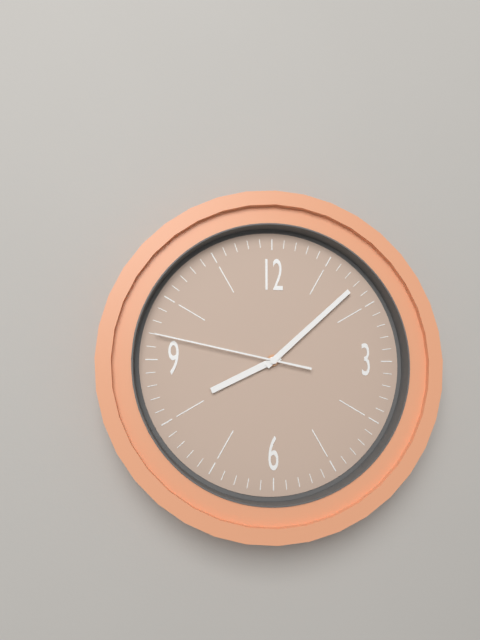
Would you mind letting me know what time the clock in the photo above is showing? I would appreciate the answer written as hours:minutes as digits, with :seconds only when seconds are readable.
8:08:47
